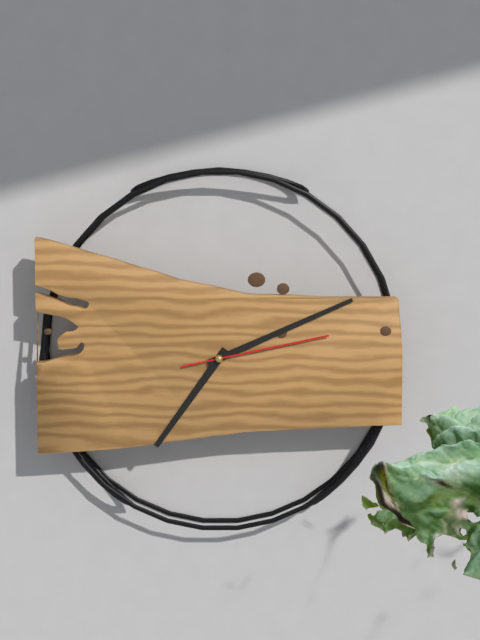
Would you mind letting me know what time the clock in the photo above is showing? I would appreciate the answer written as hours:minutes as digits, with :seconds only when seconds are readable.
7:11:13
